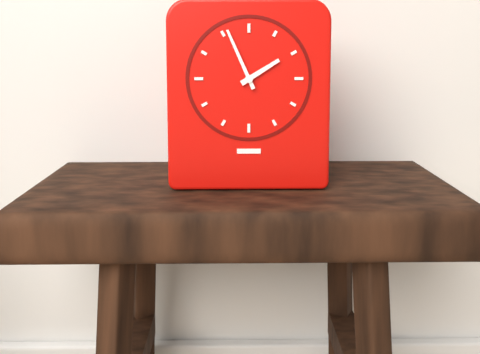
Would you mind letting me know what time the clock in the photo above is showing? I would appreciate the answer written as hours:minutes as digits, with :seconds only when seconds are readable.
1:56
